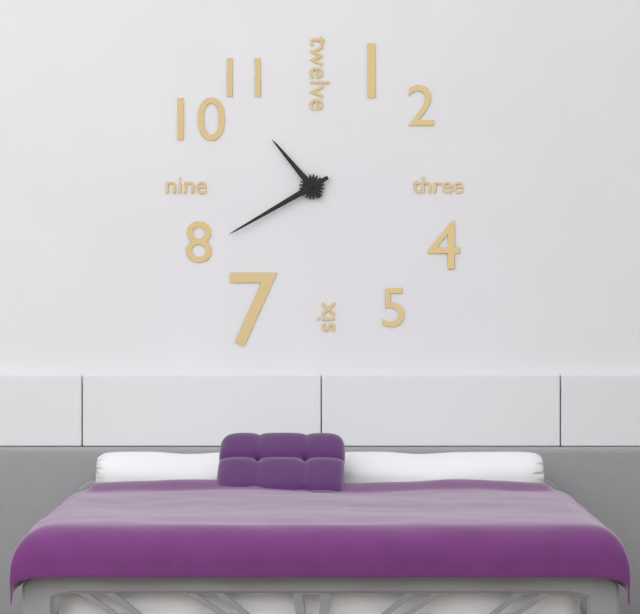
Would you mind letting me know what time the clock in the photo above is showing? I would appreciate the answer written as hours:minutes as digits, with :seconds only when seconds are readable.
10:40
